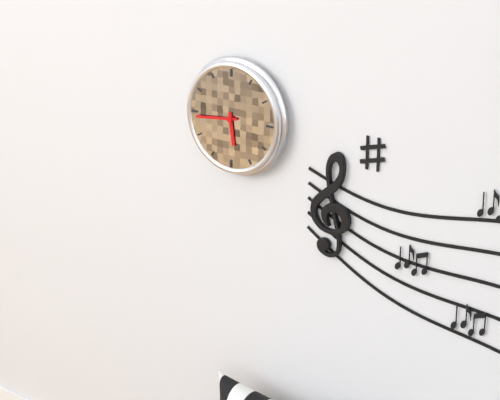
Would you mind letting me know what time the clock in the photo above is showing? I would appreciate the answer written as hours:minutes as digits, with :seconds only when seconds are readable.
5:44
